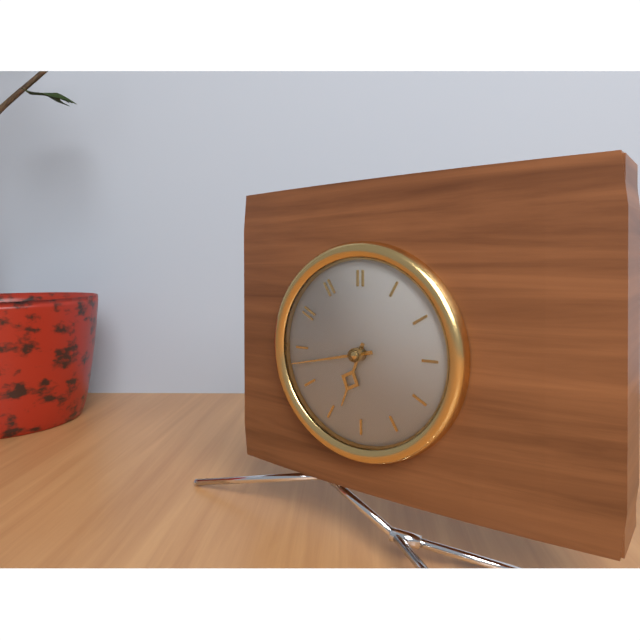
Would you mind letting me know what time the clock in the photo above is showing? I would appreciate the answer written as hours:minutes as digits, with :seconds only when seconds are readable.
6:43
